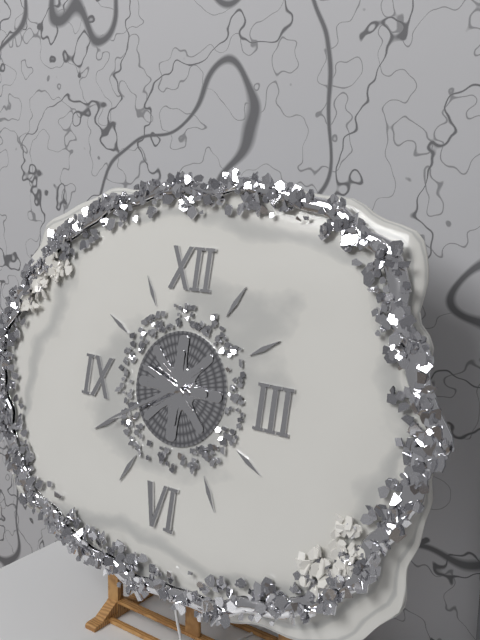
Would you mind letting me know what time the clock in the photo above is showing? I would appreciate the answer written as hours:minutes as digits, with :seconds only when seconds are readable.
9:40
